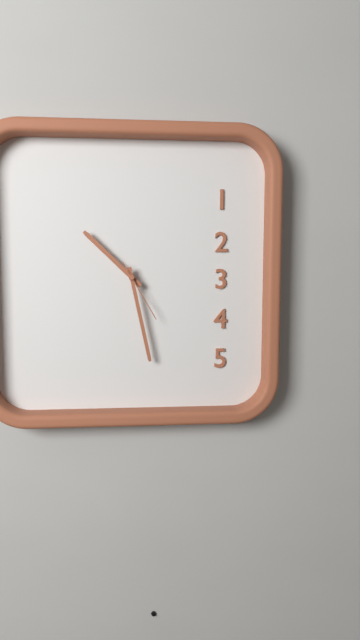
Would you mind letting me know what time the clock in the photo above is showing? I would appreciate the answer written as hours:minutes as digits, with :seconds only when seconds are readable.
10:28:25
